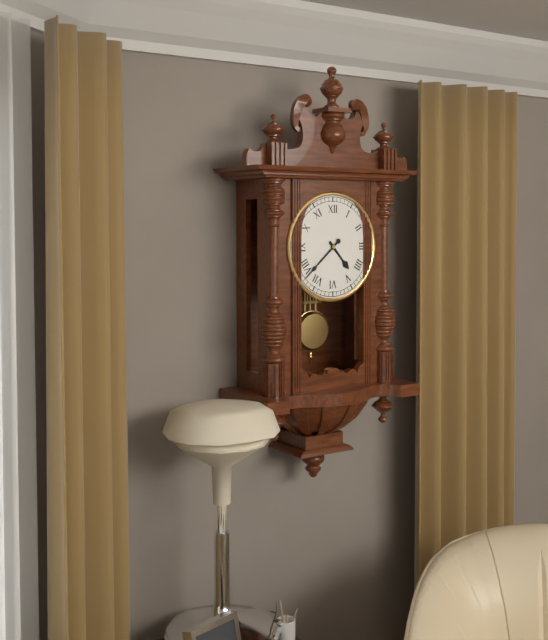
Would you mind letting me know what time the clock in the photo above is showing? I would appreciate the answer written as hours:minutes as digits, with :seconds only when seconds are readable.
4:38
